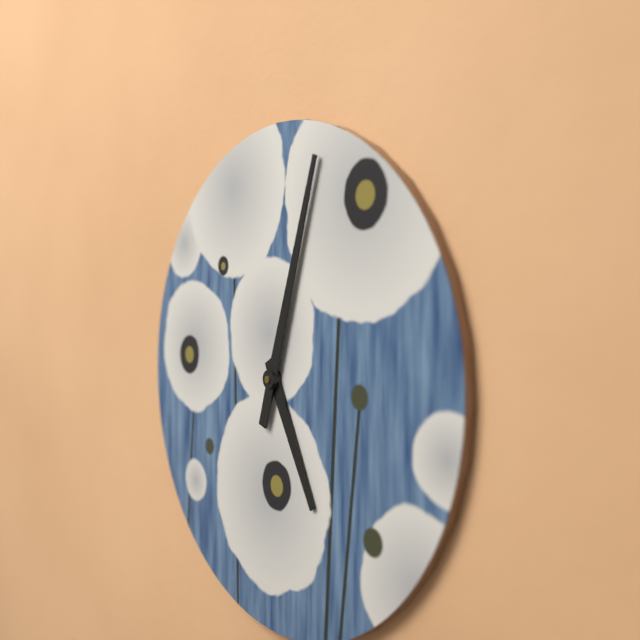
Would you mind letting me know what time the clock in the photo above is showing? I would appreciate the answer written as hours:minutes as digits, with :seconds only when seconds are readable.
5:03
